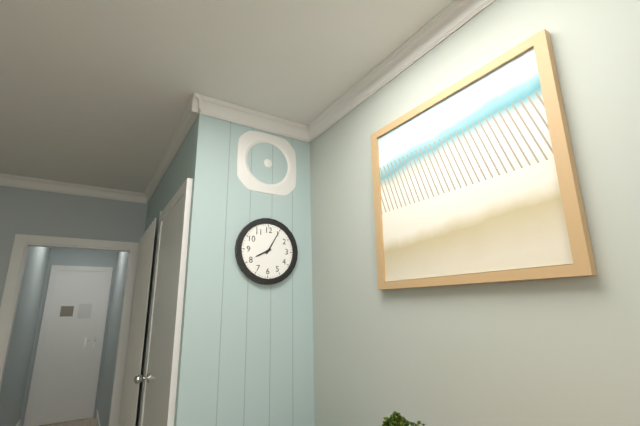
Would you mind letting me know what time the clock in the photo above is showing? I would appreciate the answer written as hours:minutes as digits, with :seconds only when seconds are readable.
8:05
